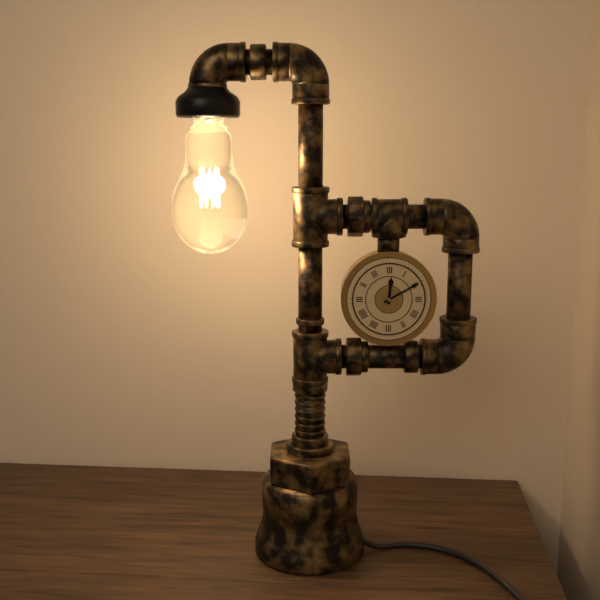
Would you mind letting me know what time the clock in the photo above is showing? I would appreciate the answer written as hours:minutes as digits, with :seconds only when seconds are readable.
12:10
